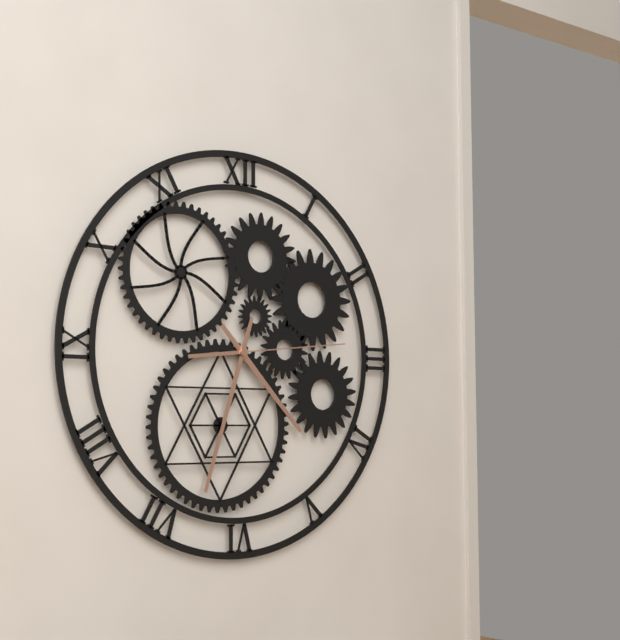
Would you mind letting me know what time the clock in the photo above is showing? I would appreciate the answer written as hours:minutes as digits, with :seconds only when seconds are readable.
4:33:14
